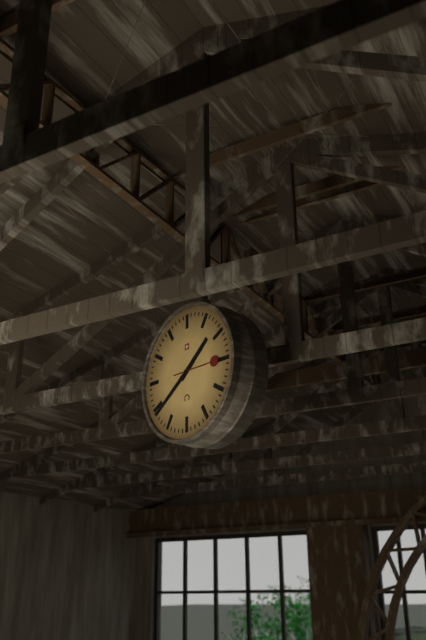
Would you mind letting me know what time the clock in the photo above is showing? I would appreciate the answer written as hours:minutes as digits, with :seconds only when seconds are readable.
1:39
